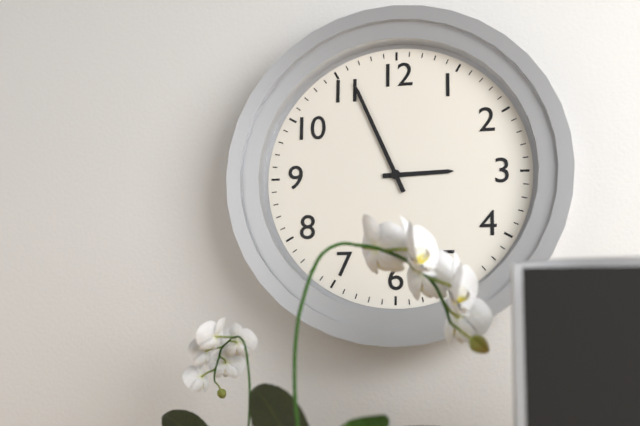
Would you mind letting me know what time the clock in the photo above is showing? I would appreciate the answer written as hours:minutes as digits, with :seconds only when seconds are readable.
2:56
